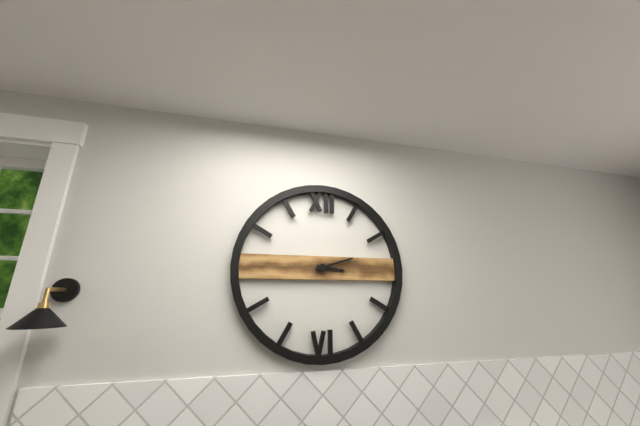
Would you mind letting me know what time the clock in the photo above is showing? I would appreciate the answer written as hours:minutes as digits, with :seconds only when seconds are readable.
3:12
